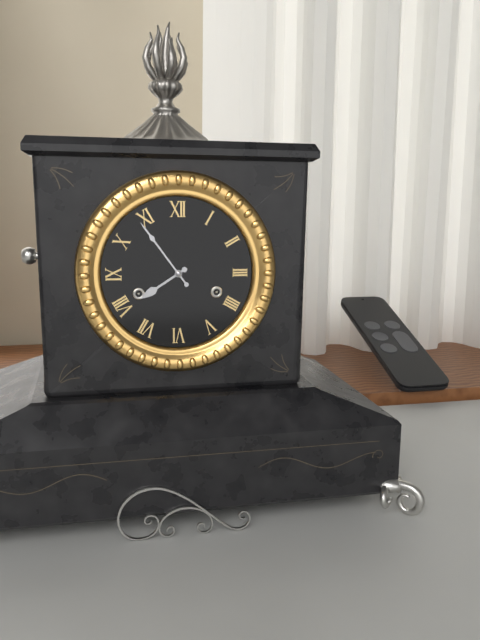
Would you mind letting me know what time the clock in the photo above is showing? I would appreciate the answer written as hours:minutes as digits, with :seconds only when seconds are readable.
7:54
